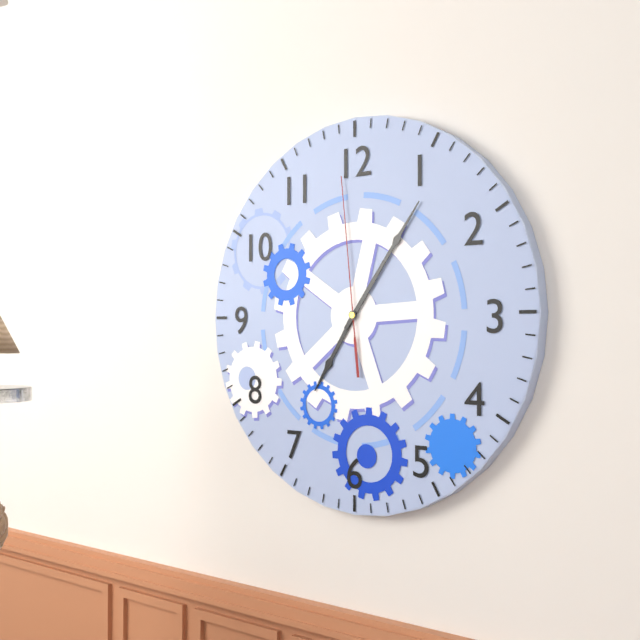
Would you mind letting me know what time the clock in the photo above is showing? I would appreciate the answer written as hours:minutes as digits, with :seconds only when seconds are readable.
7:06:59
